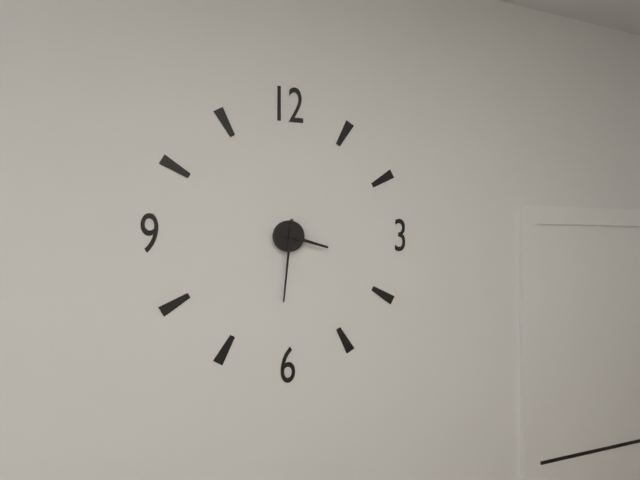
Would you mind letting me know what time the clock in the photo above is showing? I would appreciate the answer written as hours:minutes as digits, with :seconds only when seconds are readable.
3:31
